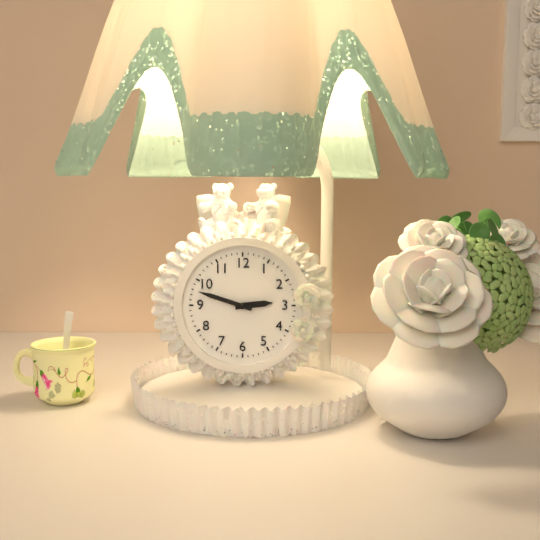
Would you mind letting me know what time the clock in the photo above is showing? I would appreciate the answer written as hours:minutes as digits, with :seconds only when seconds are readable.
2:48
